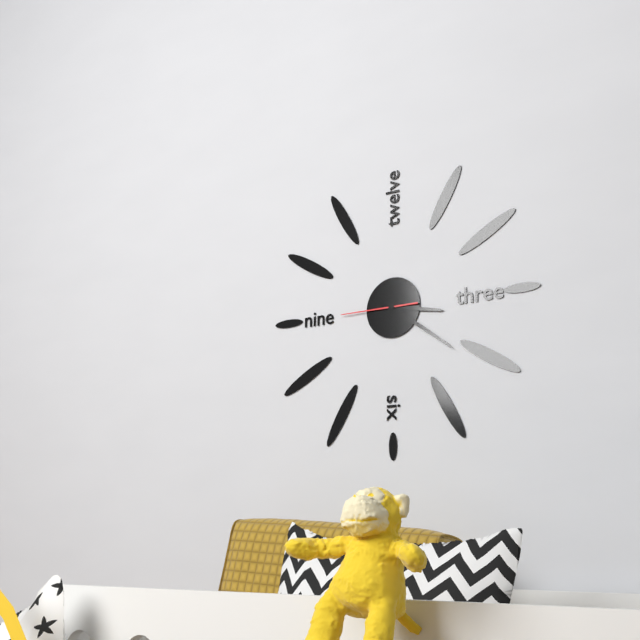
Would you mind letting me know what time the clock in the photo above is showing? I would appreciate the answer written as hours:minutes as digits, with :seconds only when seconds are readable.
3:21:45
